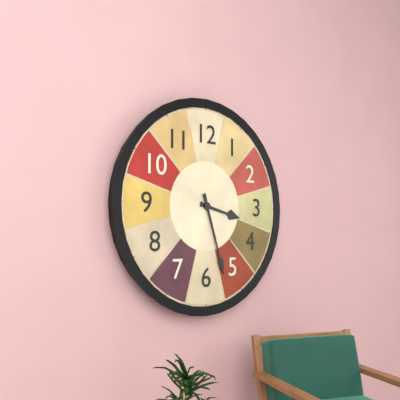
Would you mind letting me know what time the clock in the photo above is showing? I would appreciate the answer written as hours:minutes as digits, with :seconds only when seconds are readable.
3:27
